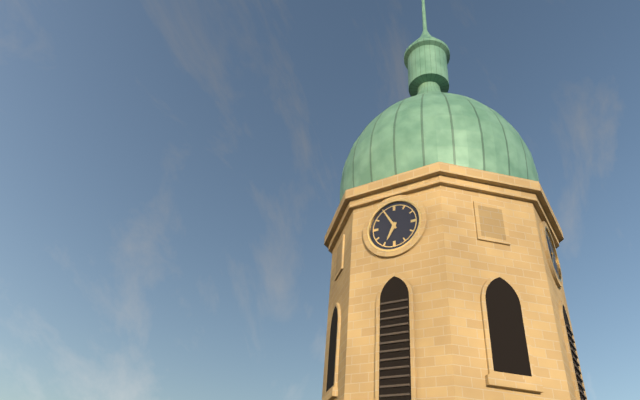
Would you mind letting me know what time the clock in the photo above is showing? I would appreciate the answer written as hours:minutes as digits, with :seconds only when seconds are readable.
6:55
